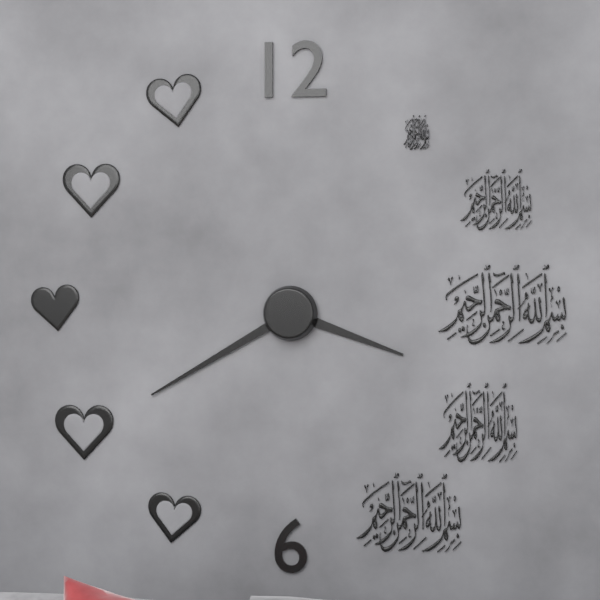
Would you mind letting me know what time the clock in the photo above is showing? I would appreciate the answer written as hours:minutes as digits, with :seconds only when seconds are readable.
3:40
